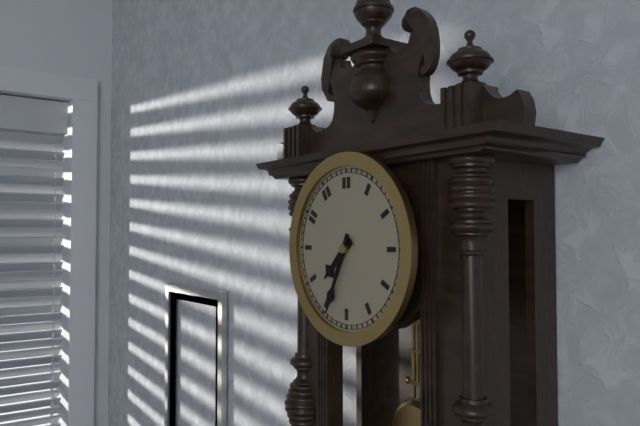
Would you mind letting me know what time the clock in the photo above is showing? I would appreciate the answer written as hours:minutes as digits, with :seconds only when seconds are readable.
7:34
